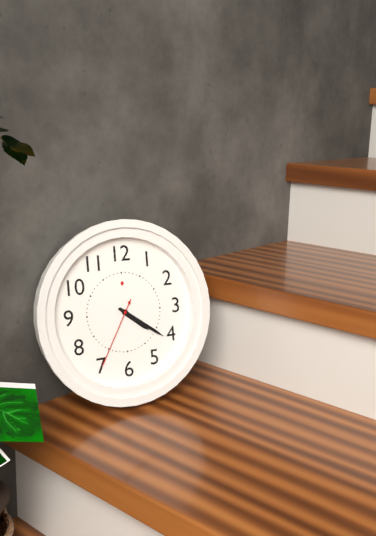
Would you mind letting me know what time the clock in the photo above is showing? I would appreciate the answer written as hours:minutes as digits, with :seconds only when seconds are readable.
4:21:35
